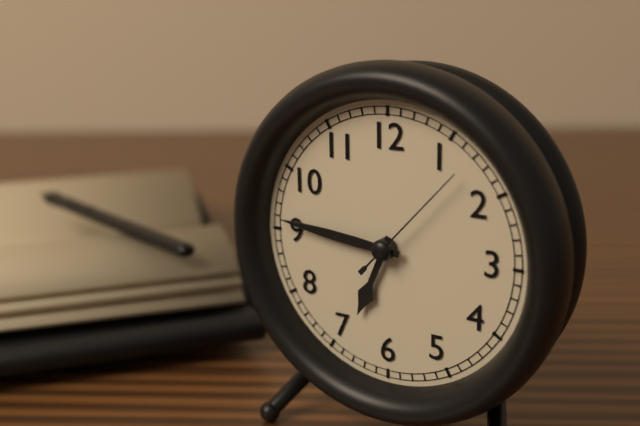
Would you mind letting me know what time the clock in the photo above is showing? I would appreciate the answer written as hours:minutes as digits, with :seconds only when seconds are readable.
6:46:07
